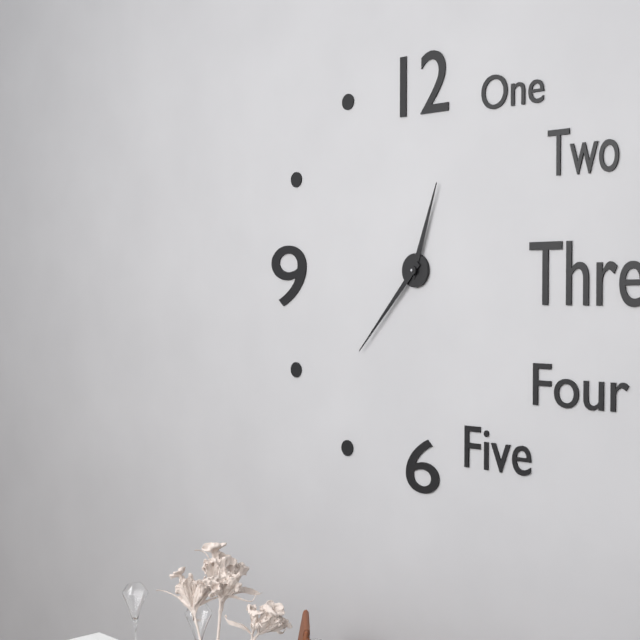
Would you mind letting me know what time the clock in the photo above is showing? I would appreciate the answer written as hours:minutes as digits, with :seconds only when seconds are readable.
12:37
